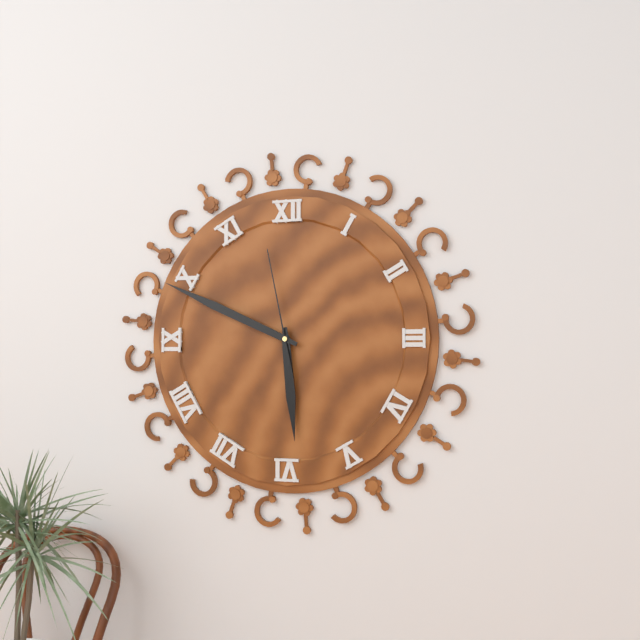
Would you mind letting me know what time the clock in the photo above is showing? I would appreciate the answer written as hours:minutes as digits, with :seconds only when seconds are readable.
5:49:58
